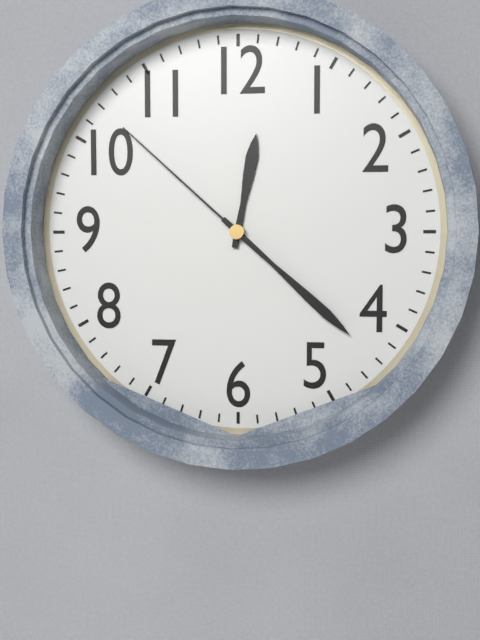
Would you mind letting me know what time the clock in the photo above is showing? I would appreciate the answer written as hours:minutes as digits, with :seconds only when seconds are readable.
12:22:52
